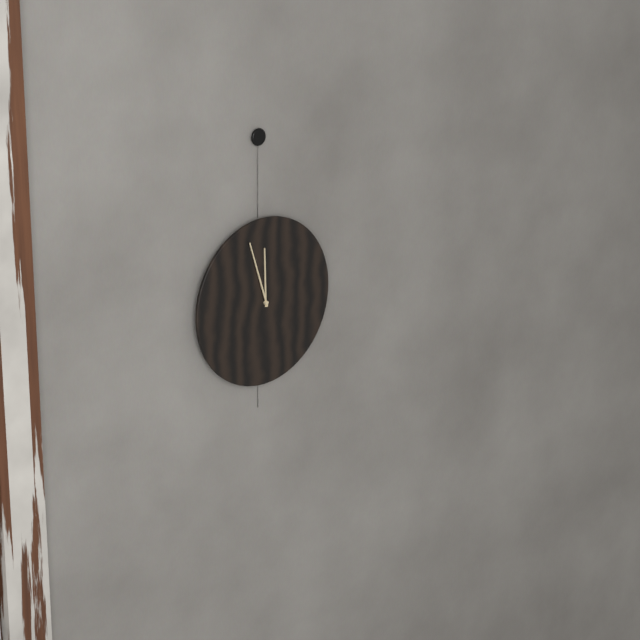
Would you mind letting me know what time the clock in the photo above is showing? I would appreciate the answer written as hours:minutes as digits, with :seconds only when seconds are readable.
11:57
